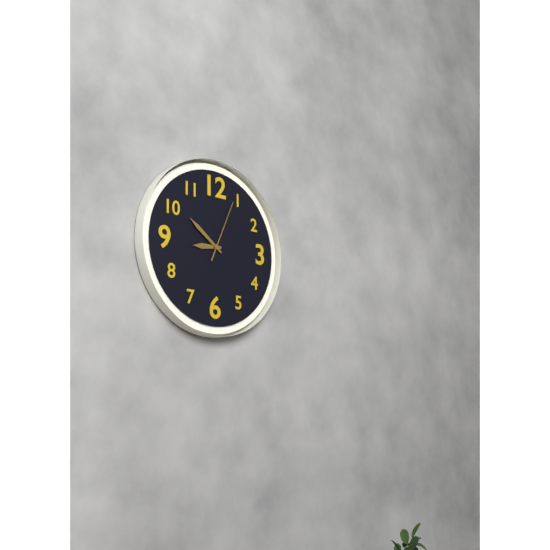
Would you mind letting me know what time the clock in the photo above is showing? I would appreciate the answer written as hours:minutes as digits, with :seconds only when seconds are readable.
8:51:04
